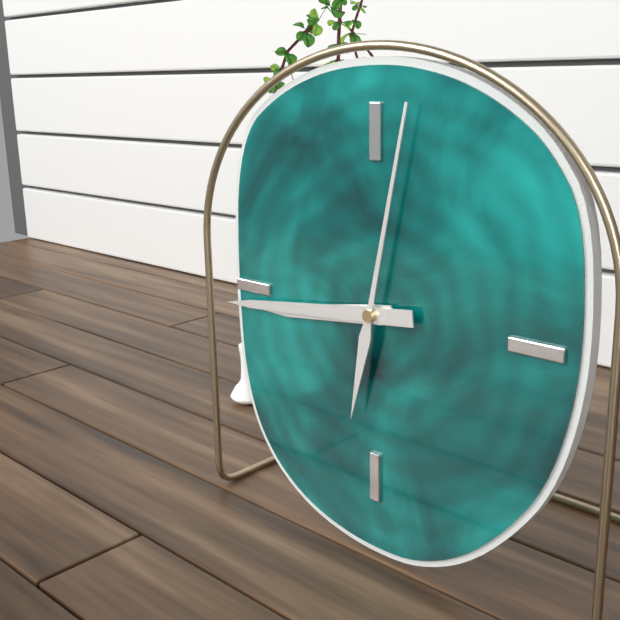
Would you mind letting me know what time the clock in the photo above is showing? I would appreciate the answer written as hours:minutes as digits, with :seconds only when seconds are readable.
8:44:02
